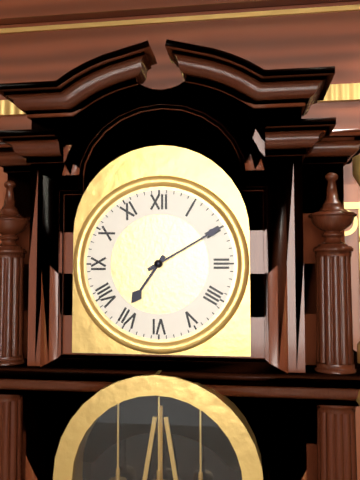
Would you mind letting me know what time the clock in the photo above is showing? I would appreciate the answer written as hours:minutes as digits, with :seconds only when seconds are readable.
7:10
